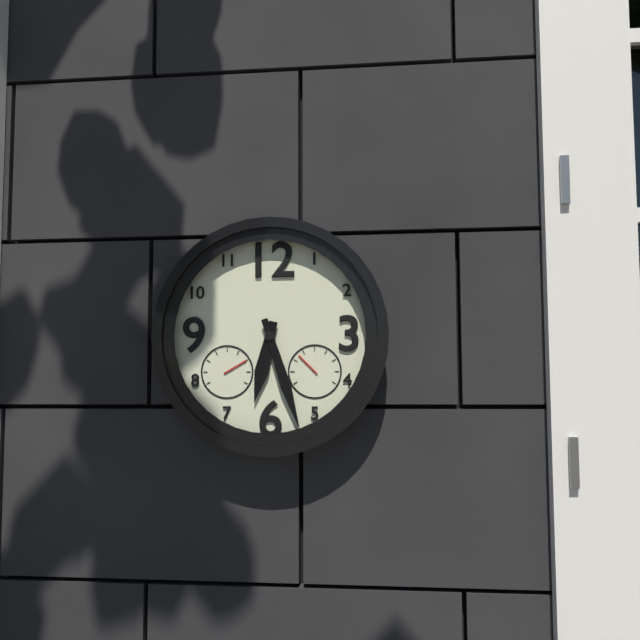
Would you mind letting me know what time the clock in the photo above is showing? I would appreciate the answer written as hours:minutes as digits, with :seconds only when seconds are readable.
6:27
